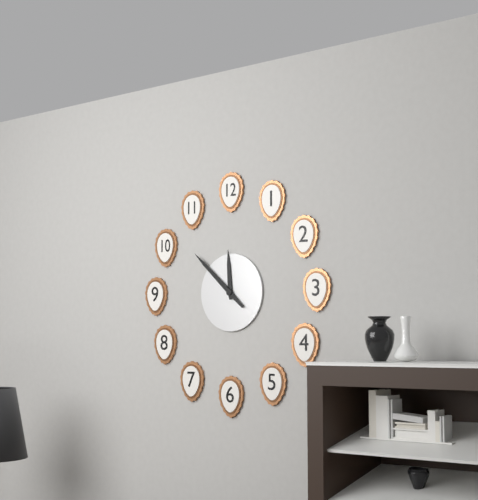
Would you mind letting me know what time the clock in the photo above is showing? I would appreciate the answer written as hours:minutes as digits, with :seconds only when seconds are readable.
11:52
